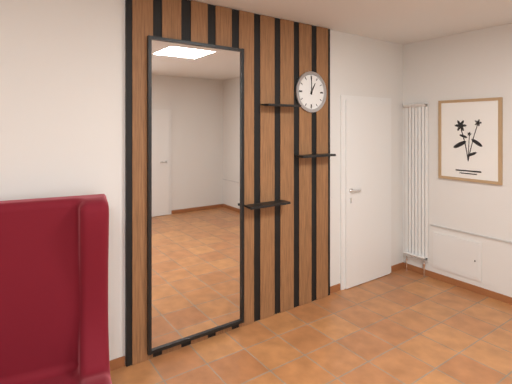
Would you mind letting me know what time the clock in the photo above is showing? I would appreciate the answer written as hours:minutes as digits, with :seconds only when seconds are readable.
1:00
